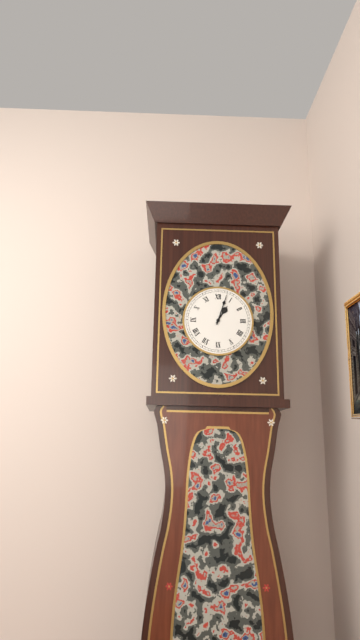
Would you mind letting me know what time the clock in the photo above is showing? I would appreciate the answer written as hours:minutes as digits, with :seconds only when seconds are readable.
1:03
